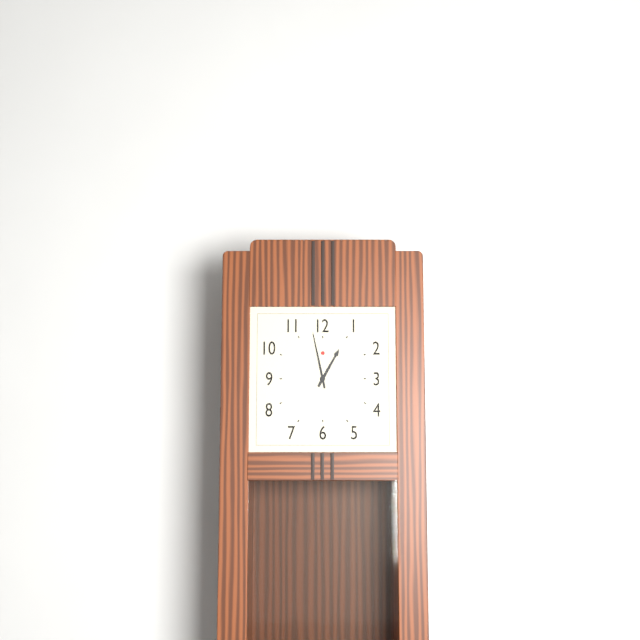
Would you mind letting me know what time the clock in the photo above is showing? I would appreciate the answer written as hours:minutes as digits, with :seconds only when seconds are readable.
12:58
